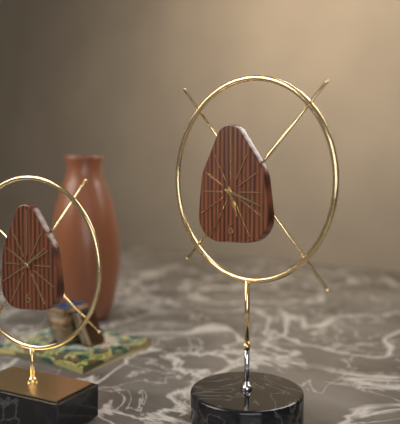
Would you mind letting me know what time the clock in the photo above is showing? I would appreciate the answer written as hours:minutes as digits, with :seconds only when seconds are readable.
5:18
